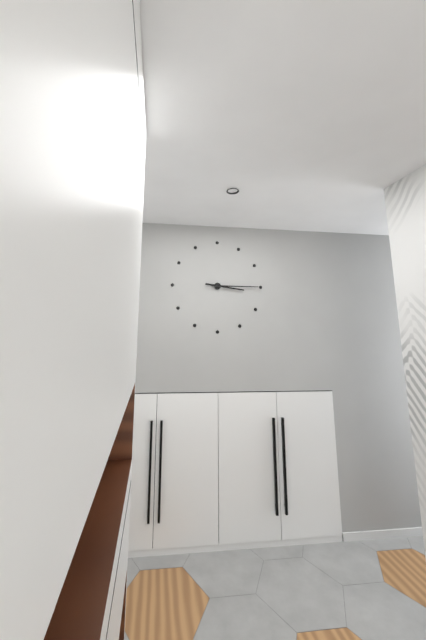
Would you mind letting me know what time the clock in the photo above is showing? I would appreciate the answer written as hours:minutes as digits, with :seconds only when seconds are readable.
3:15
